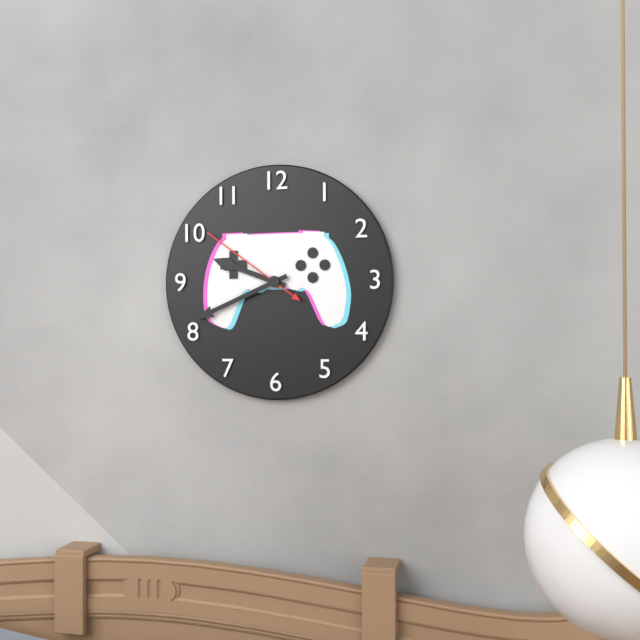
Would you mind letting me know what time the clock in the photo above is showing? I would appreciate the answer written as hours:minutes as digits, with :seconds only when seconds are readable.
9:41:51
